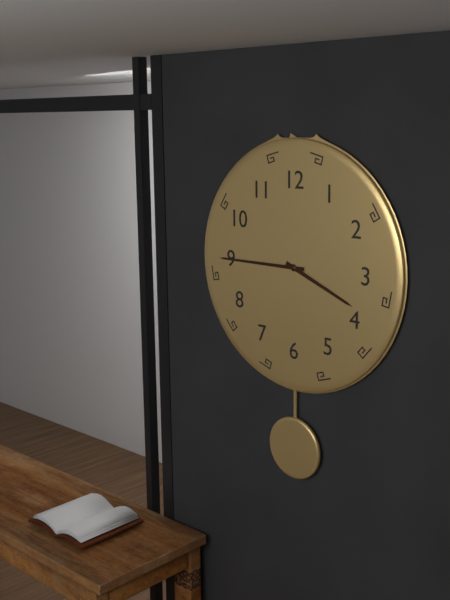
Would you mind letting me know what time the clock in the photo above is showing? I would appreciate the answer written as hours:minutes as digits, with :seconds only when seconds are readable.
3:45
